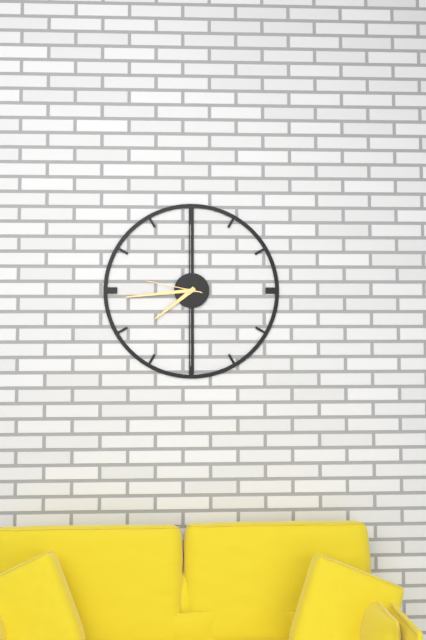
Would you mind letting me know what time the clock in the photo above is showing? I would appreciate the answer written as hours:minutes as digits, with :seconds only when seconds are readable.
7:44:47
